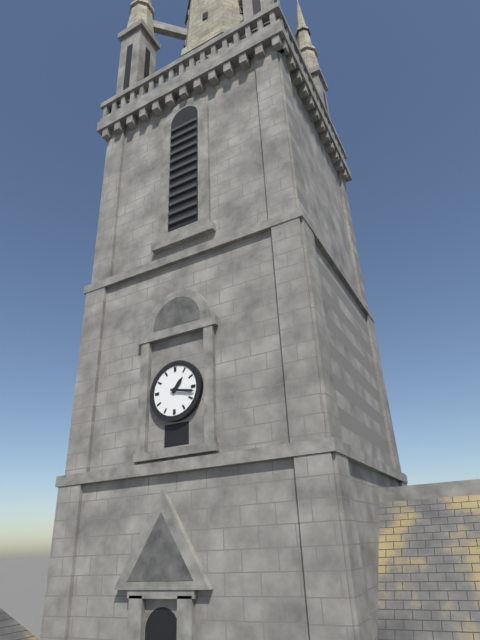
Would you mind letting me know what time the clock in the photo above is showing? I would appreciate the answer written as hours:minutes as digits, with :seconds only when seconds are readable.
1:17
